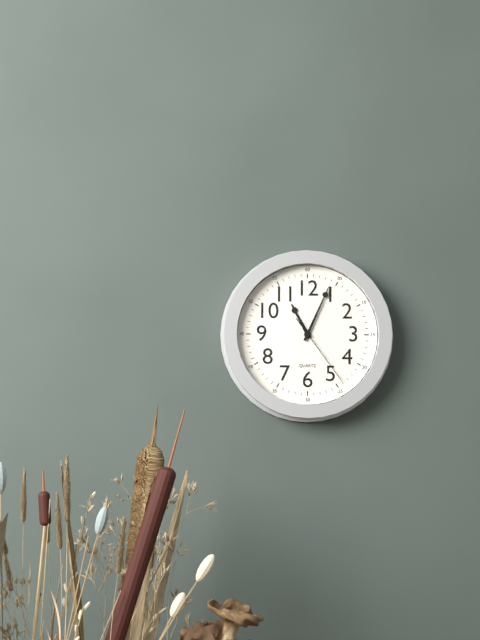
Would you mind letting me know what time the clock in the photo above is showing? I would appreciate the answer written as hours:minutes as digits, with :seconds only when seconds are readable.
11:04:24
